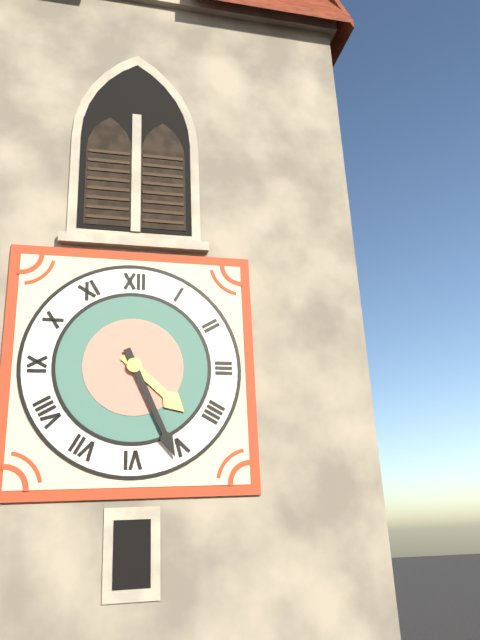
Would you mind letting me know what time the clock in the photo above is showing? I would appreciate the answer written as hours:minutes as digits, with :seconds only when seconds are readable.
4:26
